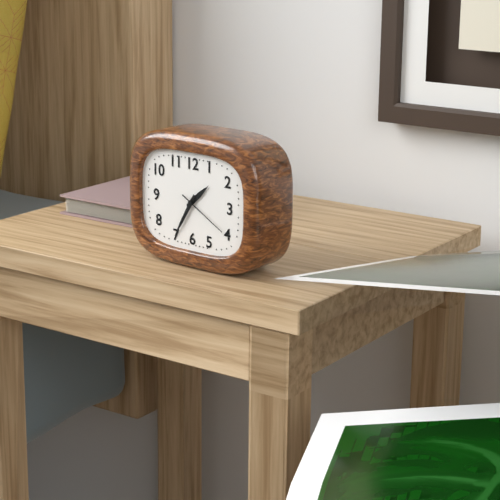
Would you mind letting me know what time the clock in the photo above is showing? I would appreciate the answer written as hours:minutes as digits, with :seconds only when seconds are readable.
1:35:20
